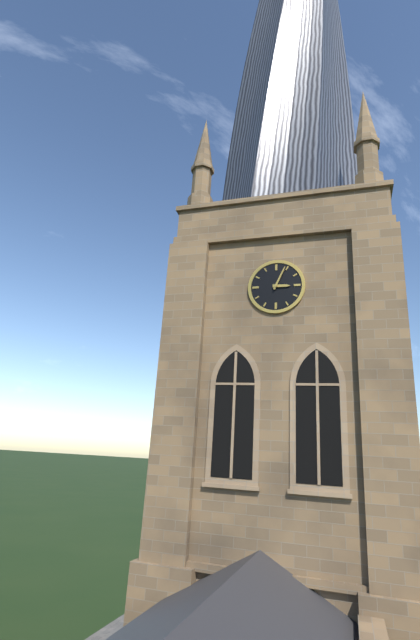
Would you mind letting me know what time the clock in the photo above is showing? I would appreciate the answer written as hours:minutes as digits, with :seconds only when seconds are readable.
3:04
